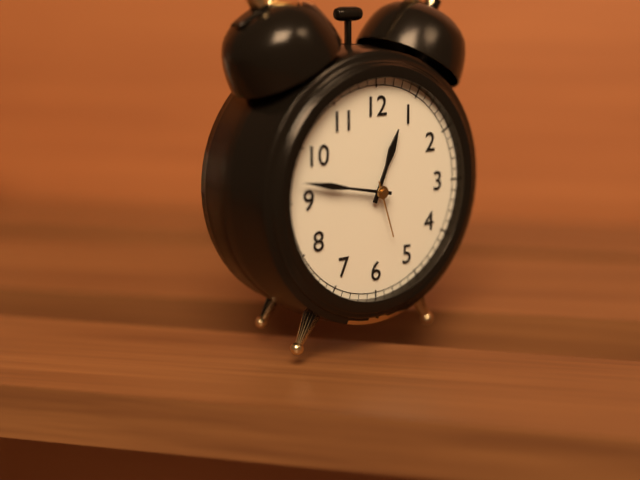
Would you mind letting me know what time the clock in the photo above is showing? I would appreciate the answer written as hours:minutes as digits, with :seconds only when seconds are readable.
12:47:27
